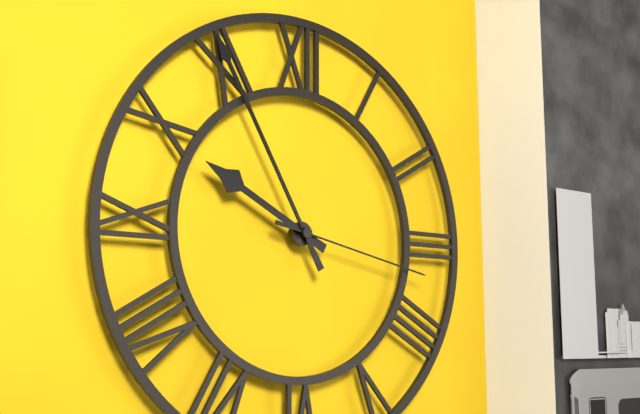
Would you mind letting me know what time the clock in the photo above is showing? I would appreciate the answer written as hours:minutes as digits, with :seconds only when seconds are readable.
9:55:17
